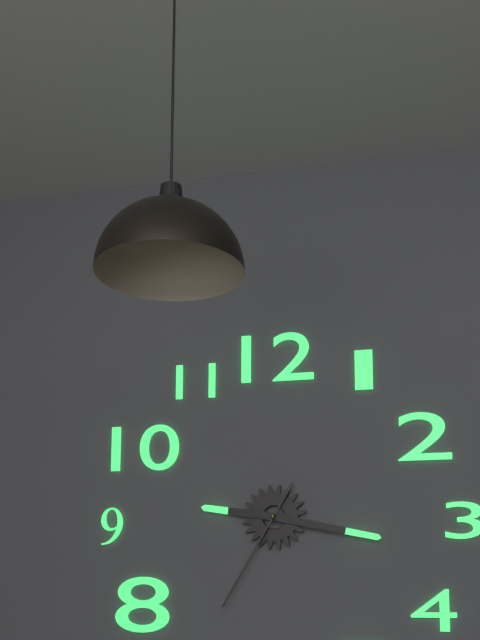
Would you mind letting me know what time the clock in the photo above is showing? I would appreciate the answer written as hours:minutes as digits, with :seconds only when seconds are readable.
9:17:35
